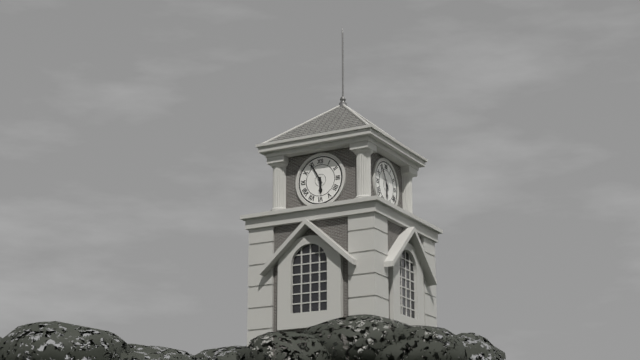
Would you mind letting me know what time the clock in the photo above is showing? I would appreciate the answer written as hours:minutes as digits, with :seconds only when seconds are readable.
5:55
